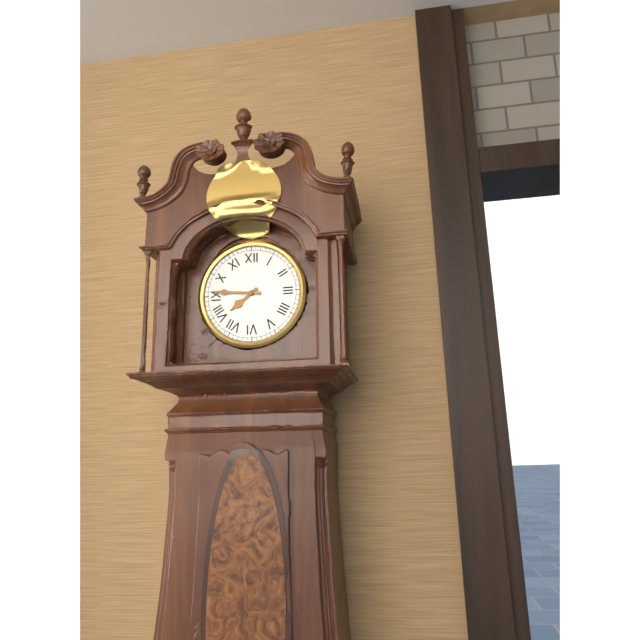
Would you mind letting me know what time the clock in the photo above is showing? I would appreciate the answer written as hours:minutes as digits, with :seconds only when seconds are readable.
7:46
